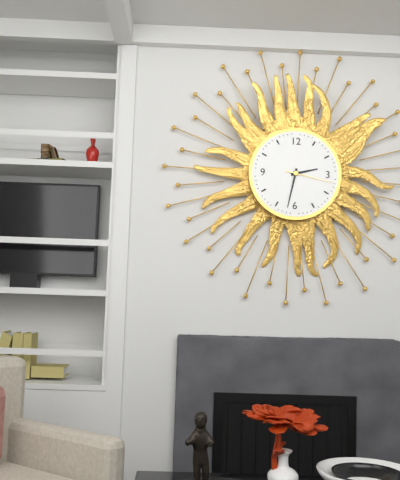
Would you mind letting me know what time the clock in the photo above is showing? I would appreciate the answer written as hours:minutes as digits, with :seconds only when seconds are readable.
2:32
